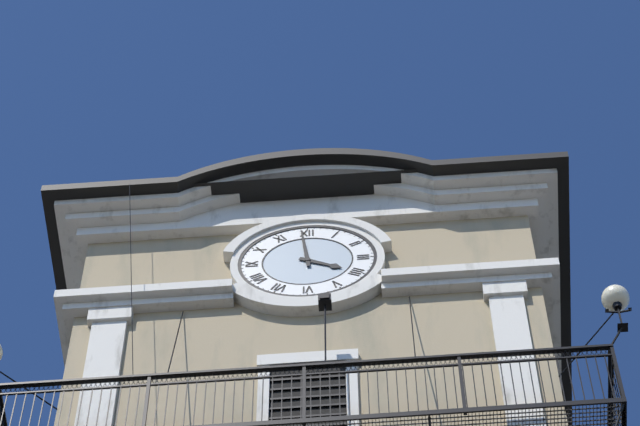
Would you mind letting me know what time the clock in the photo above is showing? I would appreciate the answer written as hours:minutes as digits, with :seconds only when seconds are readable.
3:59
